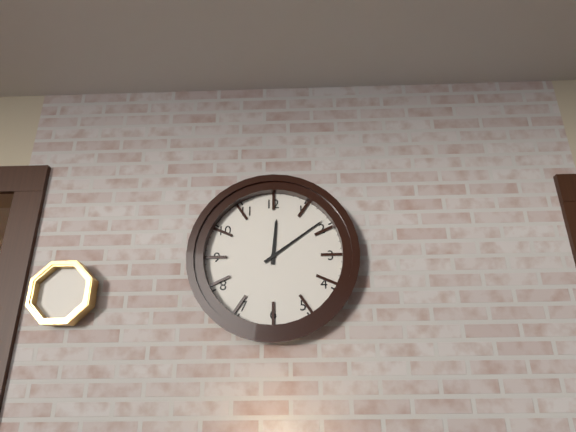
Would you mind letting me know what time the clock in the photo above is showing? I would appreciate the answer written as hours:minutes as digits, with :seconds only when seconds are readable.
12:09
